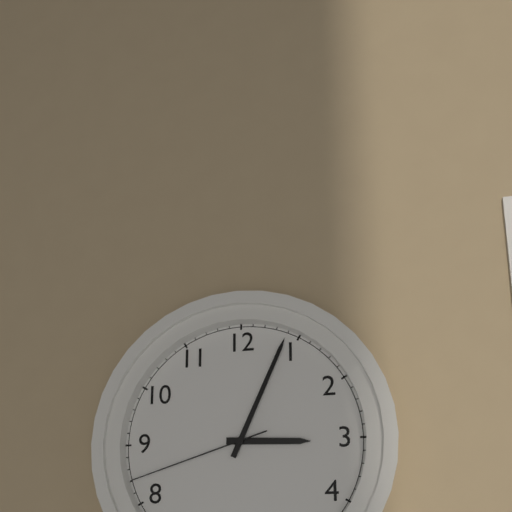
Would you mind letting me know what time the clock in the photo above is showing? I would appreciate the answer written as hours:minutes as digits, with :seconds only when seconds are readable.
3:04:42
